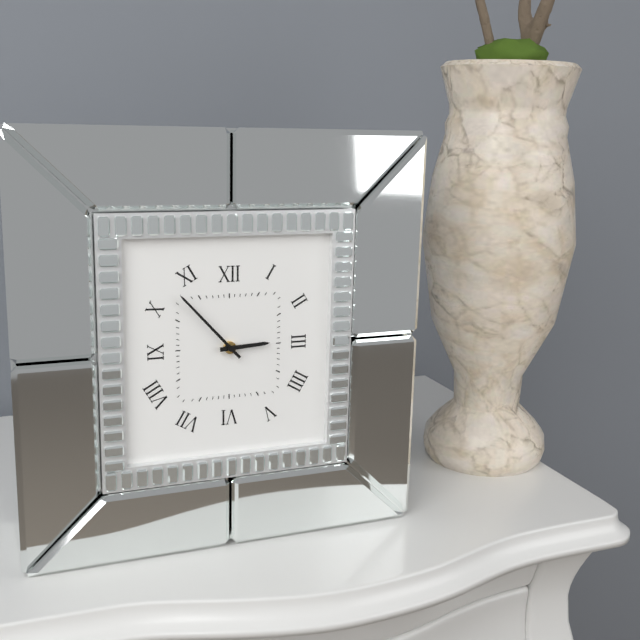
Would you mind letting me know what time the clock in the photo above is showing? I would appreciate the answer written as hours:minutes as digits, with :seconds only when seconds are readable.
2:53
